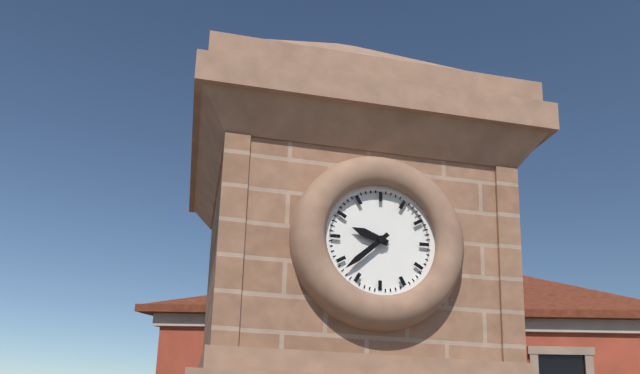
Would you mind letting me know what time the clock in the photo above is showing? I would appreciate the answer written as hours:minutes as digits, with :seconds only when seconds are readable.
9:38
